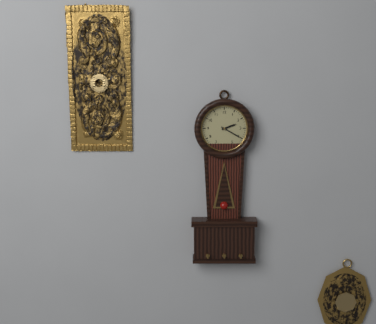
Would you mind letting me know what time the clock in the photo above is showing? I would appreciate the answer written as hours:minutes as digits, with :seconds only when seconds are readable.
2:20
